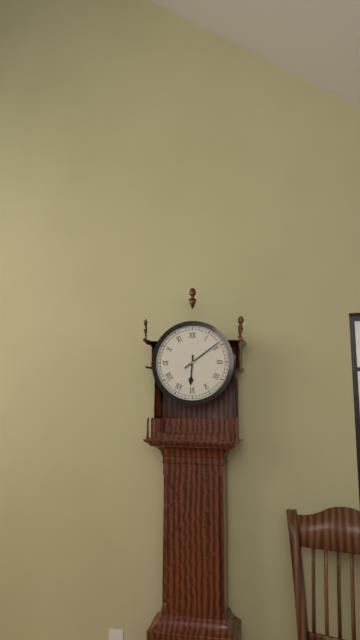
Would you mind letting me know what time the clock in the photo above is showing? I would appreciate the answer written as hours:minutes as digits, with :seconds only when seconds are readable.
6:09
